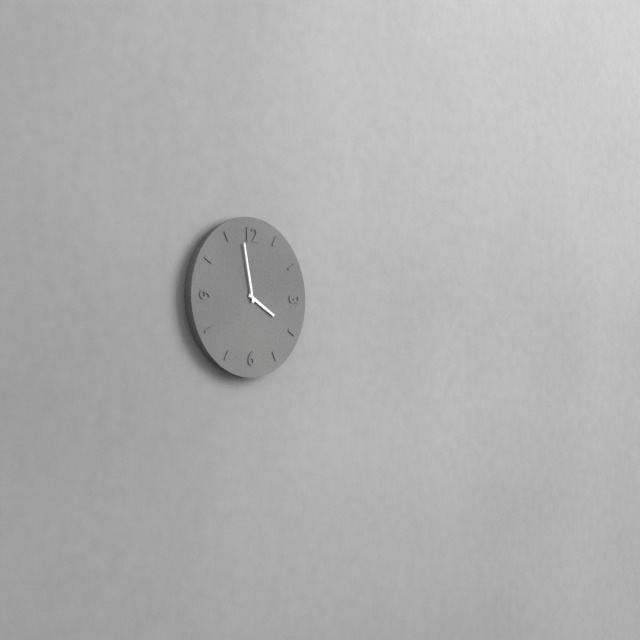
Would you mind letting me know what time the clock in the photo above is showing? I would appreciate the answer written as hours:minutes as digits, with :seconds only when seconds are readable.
3:58
